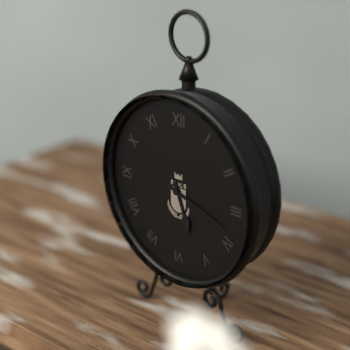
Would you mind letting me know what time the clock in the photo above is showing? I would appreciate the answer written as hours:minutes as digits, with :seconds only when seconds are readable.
5:18
